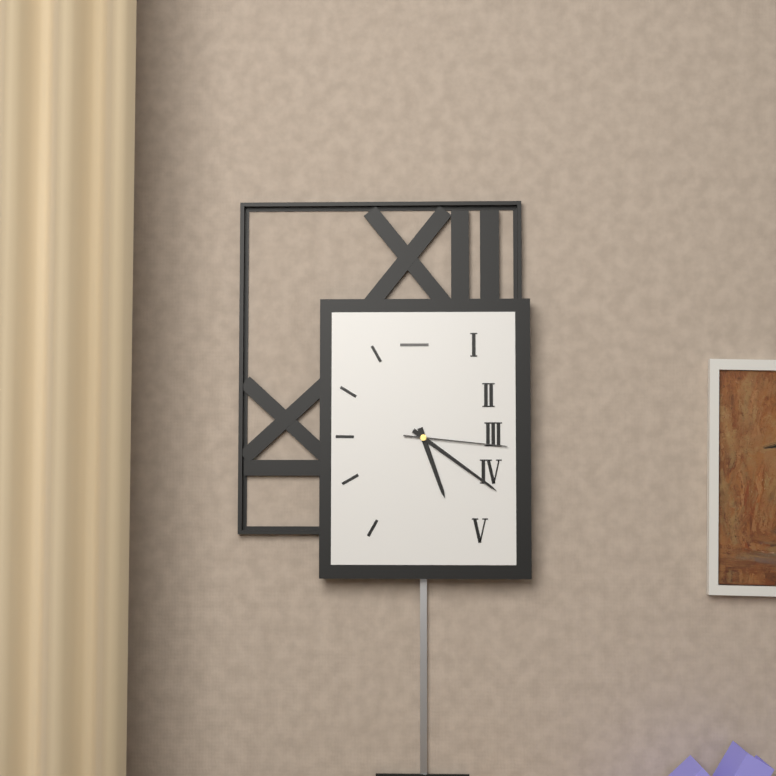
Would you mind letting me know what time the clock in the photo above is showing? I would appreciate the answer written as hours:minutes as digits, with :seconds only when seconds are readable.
5:21:16
